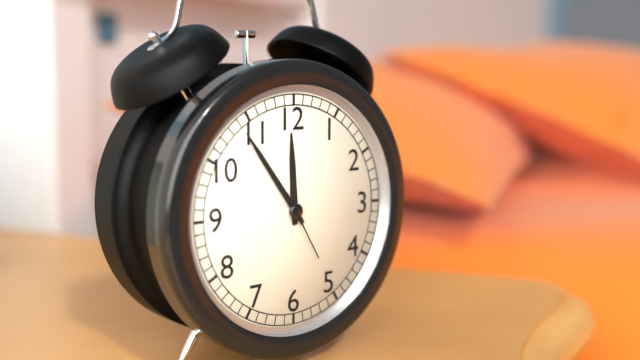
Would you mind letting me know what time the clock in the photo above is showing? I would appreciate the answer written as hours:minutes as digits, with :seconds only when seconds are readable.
11:54:25
